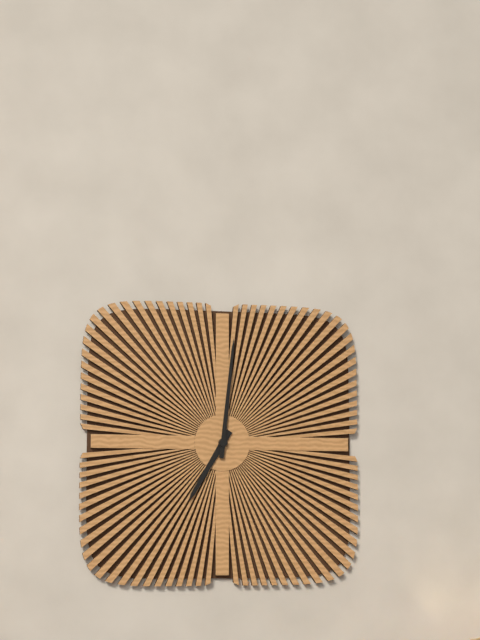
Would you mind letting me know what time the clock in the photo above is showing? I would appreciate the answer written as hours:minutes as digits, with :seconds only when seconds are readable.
7:01
